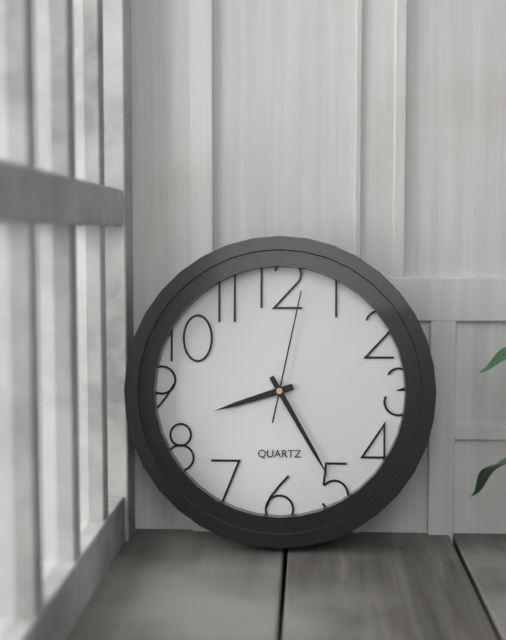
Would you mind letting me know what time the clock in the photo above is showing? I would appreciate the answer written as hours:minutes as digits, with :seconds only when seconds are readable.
8:25:02
